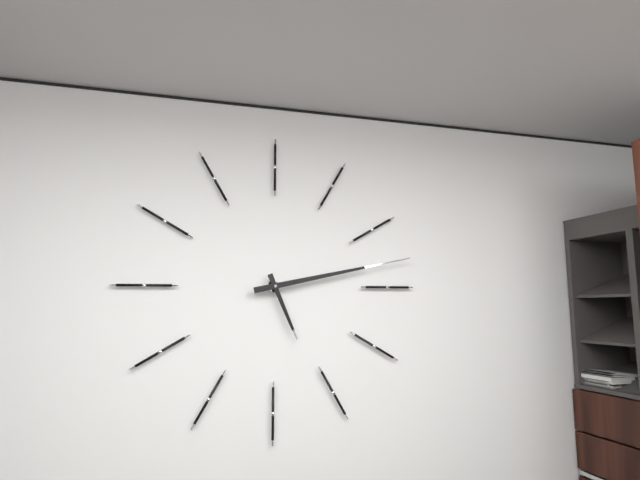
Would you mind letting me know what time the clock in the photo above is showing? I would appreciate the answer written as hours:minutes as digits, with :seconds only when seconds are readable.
5:13
